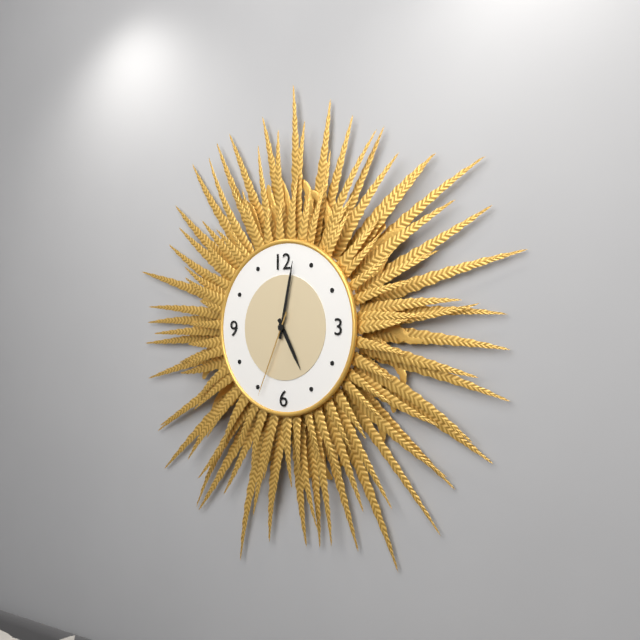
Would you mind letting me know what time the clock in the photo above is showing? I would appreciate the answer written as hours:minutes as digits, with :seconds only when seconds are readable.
5:02:34
